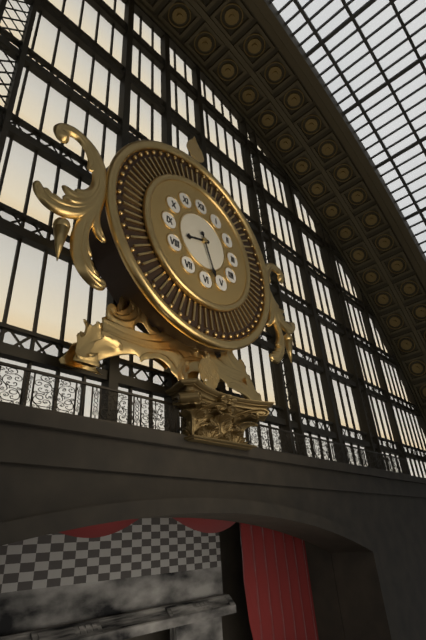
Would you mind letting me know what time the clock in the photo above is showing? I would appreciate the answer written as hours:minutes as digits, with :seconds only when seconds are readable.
8:27
